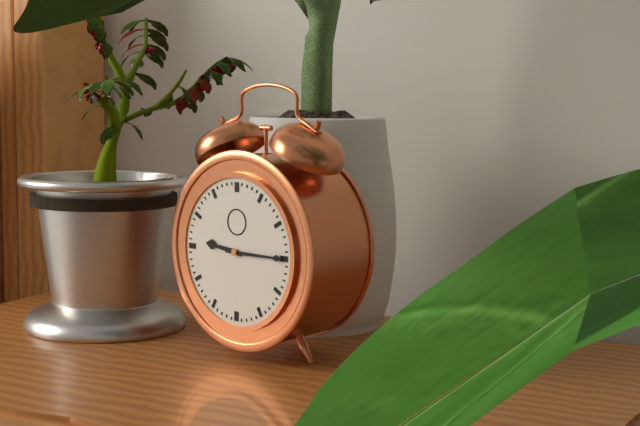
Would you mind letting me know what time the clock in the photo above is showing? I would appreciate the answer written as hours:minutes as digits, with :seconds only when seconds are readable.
9:15
